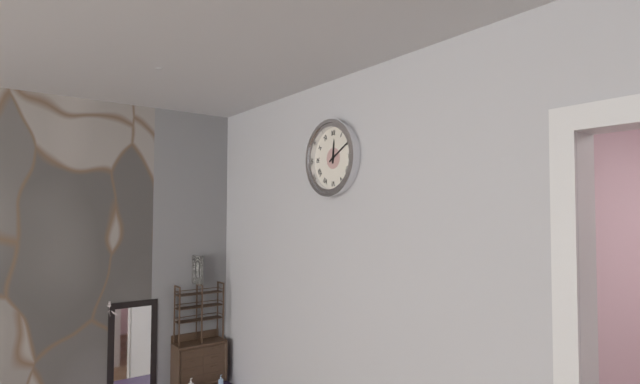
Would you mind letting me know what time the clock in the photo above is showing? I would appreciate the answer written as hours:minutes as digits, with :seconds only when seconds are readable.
12:10
